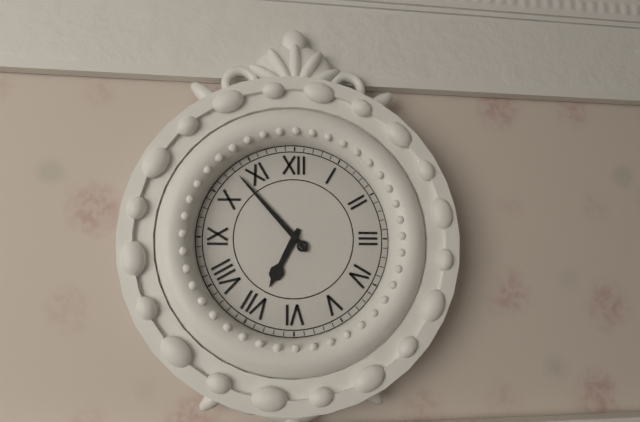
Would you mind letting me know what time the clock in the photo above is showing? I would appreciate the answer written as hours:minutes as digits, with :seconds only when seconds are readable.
6:53
